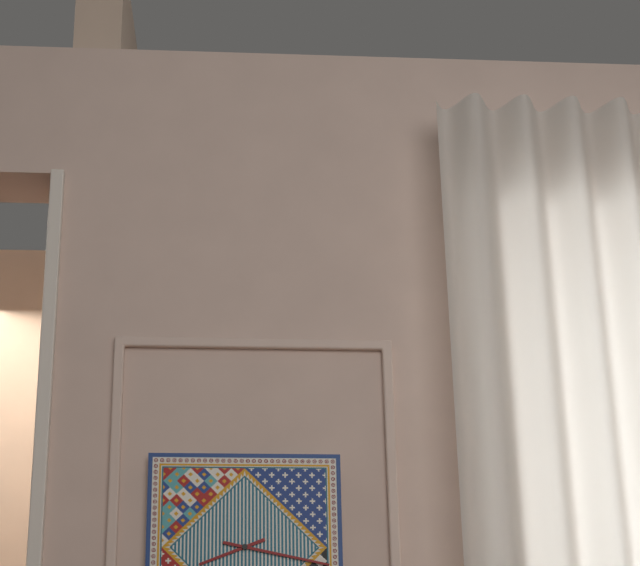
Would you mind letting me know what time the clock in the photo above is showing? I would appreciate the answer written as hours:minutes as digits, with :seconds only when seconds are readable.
8:17
